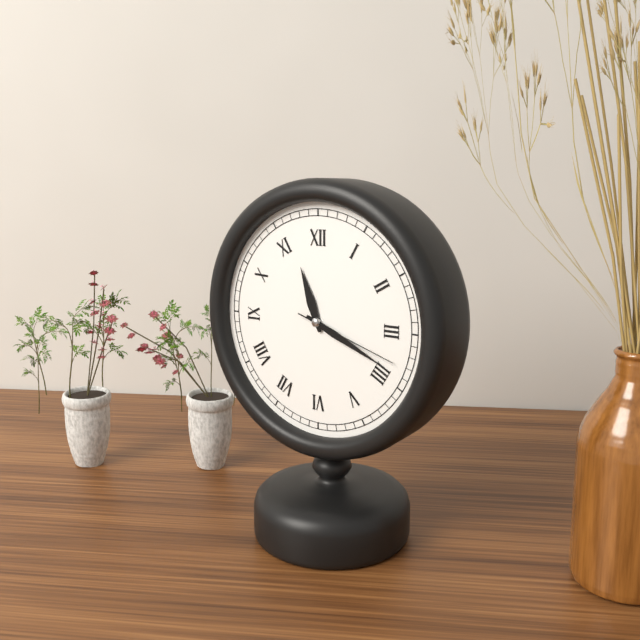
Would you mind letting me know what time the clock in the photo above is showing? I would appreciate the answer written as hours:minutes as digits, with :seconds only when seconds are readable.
11:19:18
